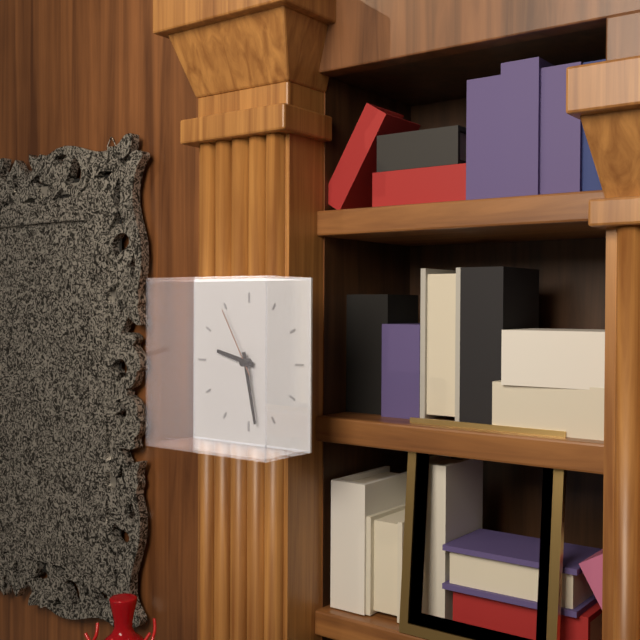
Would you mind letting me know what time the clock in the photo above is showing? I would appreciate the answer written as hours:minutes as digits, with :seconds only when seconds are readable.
9:28:55
